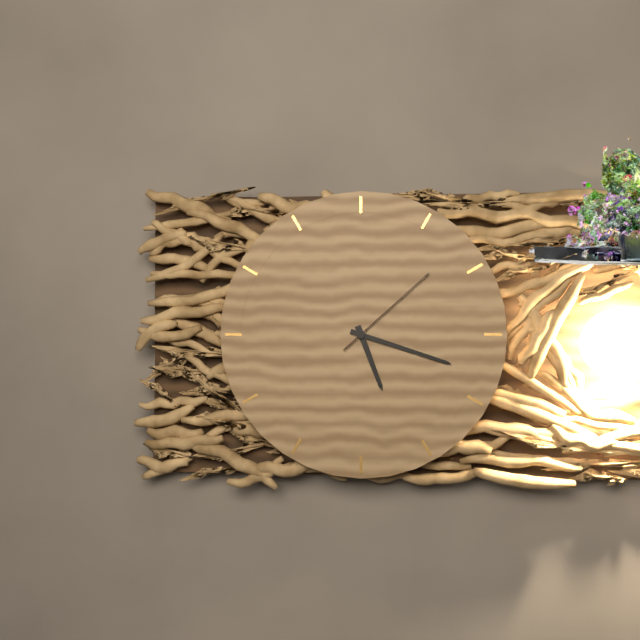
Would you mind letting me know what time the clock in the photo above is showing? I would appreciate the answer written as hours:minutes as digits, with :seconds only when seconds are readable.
5:18:08
